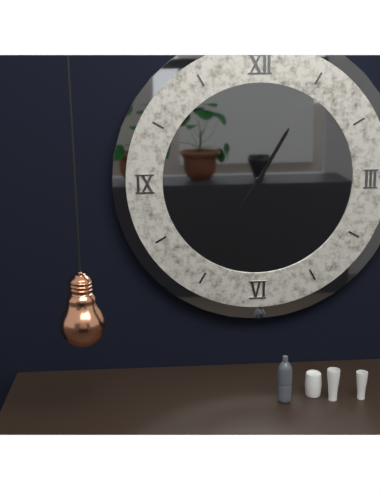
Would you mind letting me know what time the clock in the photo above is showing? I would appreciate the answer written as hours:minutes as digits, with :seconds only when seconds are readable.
7:05
